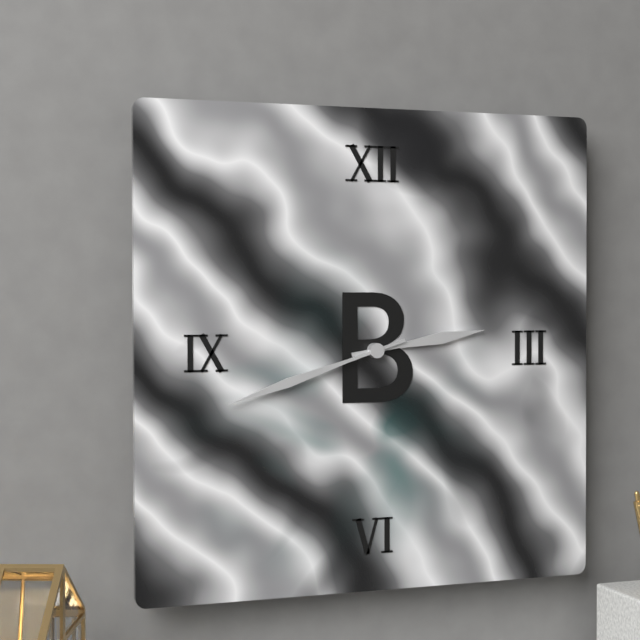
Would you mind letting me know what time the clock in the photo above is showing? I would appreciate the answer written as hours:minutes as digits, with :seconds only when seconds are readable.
2:42
